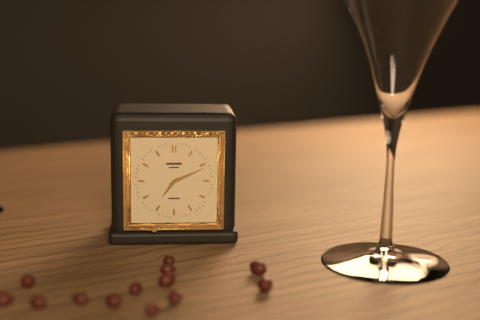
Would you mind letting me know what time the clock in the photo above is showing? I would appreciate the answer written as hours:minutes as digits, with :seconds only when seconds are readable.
7:11
